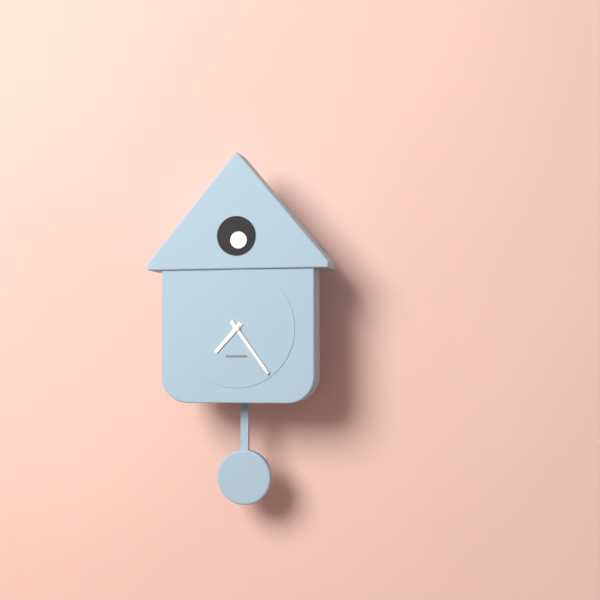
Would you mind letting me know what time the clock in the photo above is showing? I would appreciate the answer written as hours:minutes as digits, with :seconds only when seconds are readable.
7:24
